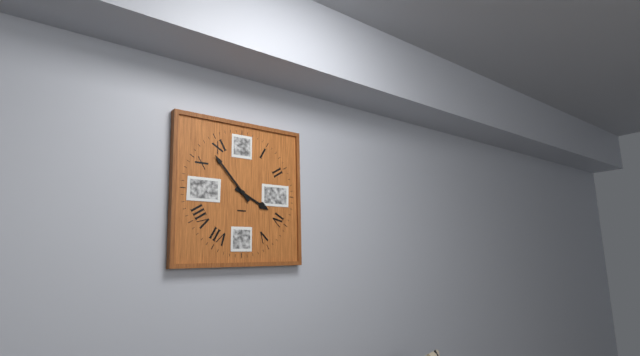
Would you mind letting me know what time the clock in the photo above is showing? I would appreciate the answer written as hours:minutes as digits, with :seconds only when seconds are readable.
3:53
